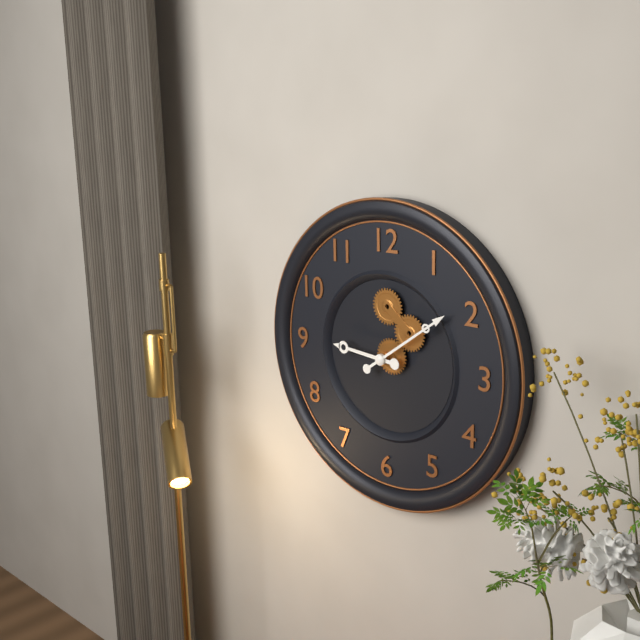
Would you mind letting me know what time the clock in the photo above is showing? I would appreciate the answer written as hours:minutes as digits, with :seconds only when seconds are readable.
9:09
